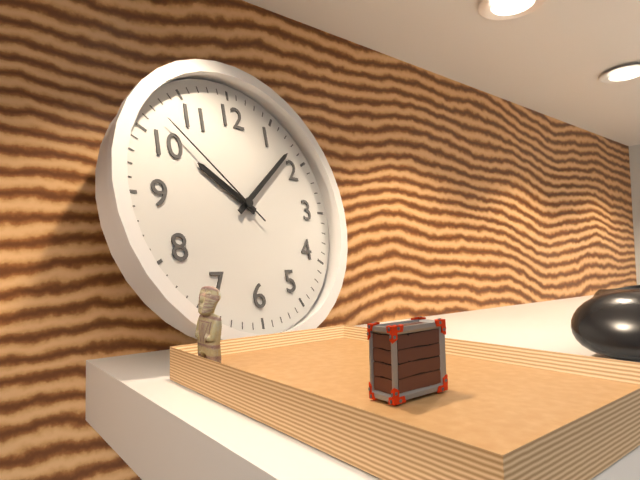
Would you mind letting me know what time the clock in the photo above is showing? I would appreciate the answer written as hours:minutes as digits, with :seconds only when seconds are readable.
10:08:52
